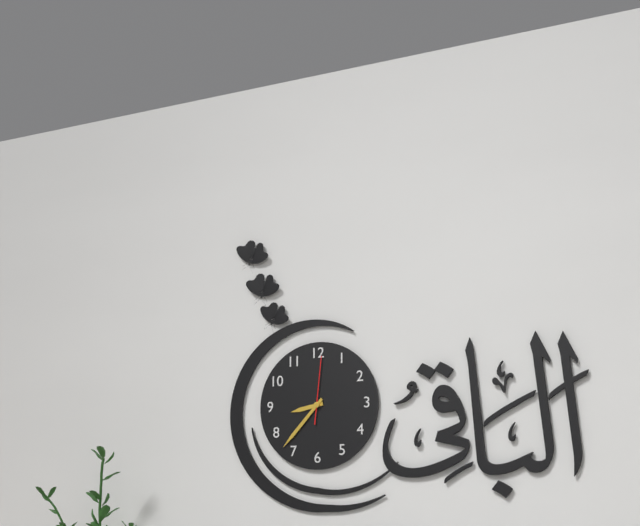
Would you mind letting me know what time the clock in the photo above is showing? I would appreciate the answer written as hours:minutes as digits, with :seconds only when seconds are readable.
8:37:01
